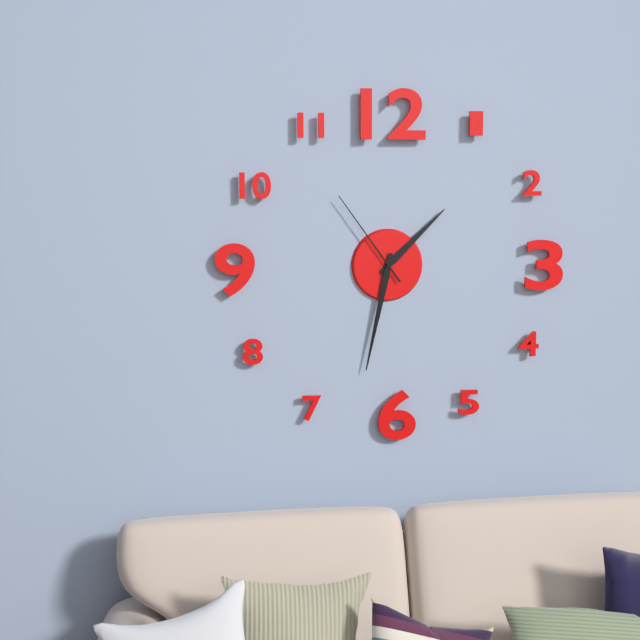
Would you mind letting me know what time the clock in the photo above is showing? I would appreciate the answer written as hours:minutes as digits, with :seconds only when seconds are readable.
1:32:54
